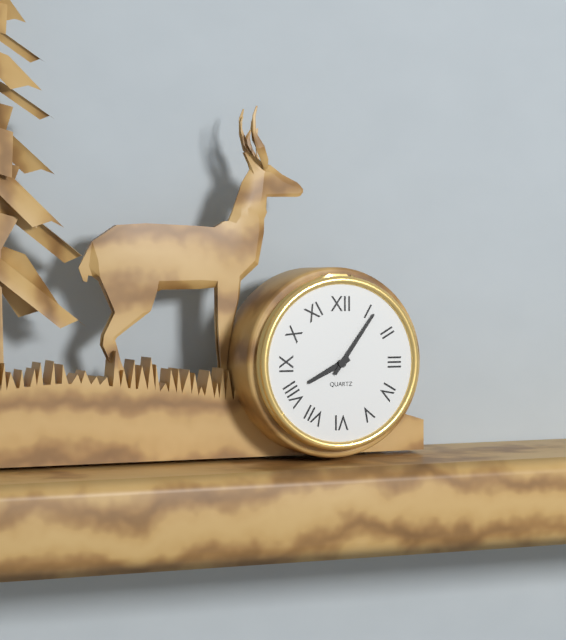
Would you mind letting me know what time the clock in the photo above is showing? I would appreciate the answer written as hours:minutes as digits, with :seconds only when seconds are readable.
8:06
